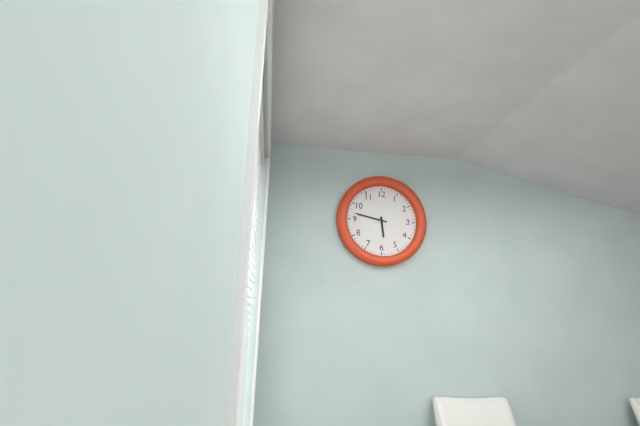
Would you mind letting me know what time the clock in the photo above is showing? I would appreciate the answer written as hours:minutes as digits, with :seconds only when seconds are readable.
5:47
